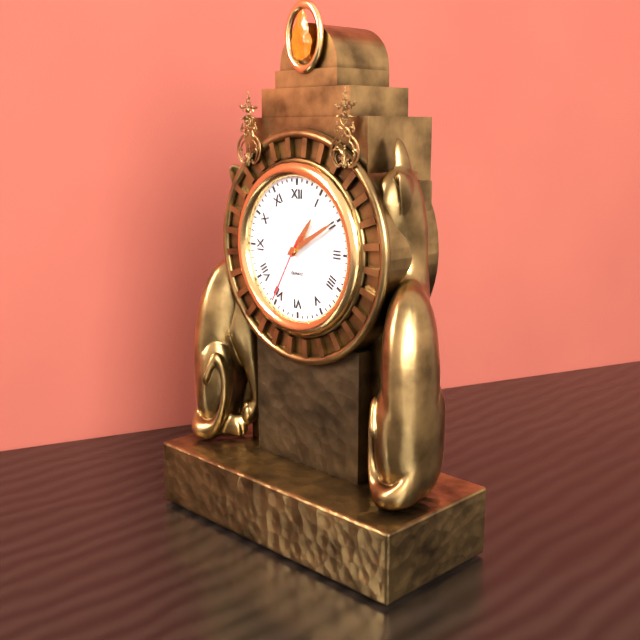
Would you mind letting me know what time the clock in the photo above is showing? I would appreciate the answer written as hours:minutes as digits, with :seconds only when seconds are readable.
1:10:35
